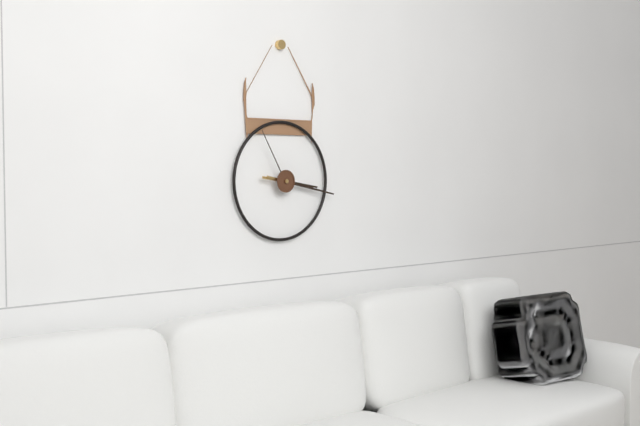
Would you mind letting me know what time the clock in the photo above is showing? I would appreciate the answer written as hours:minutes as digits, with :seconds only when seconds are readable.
3:17:55
